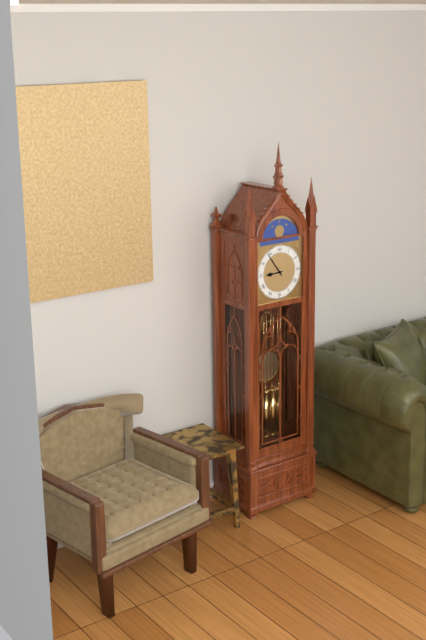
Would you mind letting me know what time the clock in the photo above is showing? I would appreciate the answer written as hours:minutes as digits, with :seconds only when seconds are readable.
8:54
